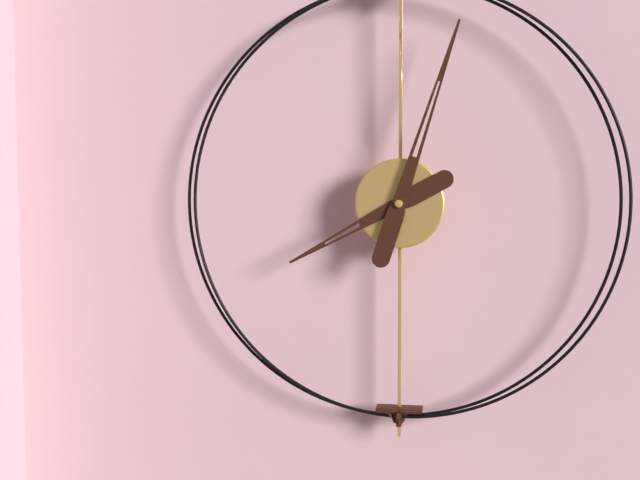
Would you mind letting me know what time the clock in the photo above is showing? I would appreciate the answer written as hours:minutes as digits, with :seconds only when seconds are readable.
8:03
